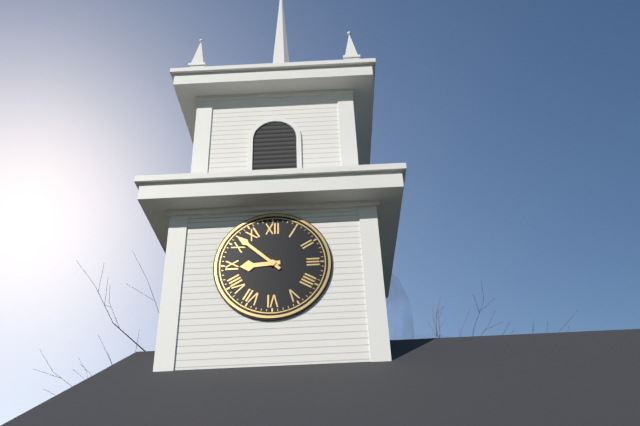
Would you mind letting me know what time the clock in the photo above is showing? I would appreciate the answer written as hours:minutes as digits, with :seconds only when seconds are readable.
8:52
